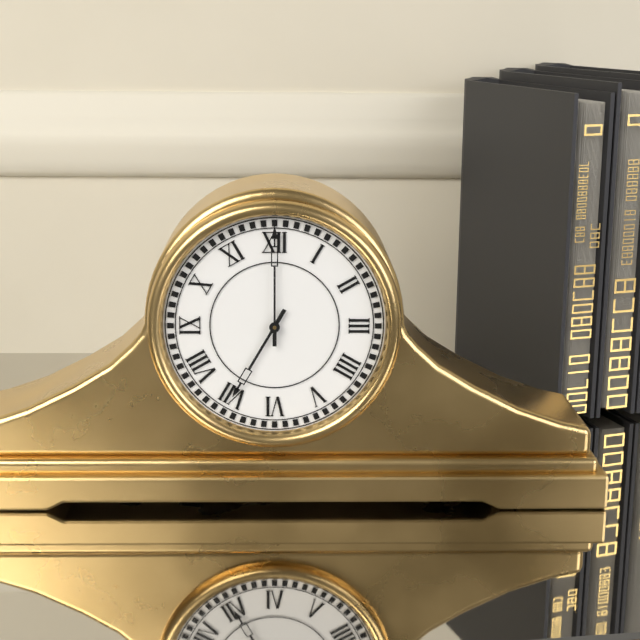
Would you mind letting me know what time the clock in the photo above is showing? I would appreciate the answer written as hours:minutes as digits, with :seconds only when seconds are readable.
7:00
